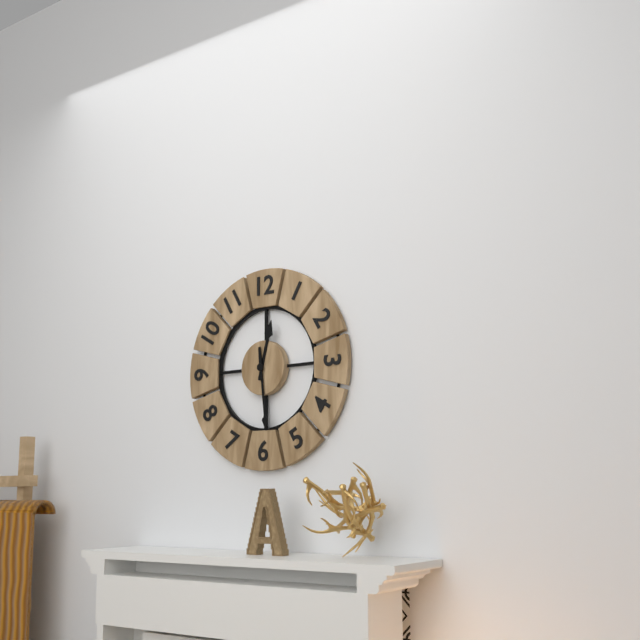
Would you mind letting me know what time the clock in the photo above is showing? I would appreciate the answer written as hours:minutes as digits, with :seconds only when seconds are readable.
12:29
